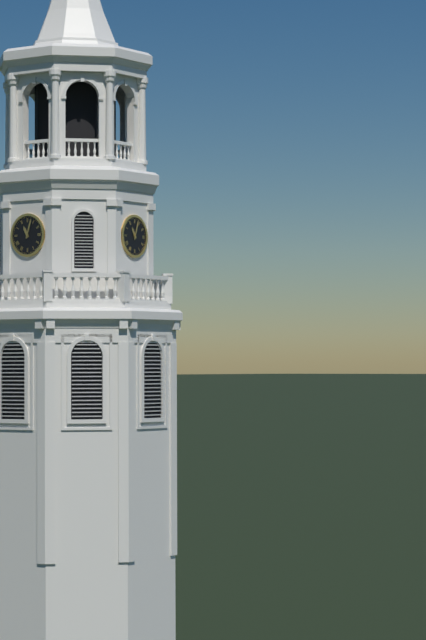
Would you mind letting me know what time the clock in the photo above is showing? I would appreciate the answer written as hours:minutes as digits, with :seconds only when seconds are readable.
11:03
